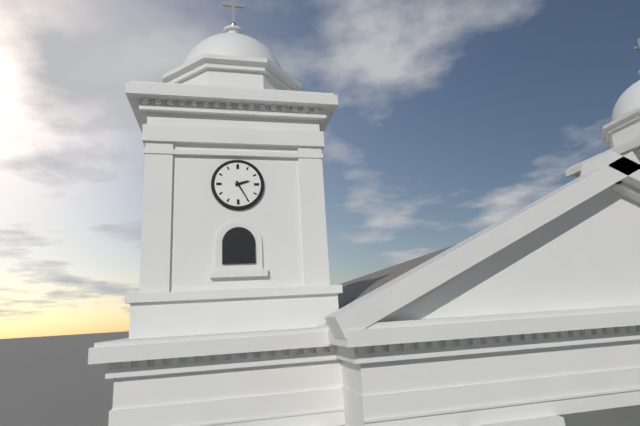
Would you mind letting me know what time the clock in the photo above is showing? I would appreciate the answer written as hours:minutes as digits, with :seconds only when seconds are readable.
2:25
